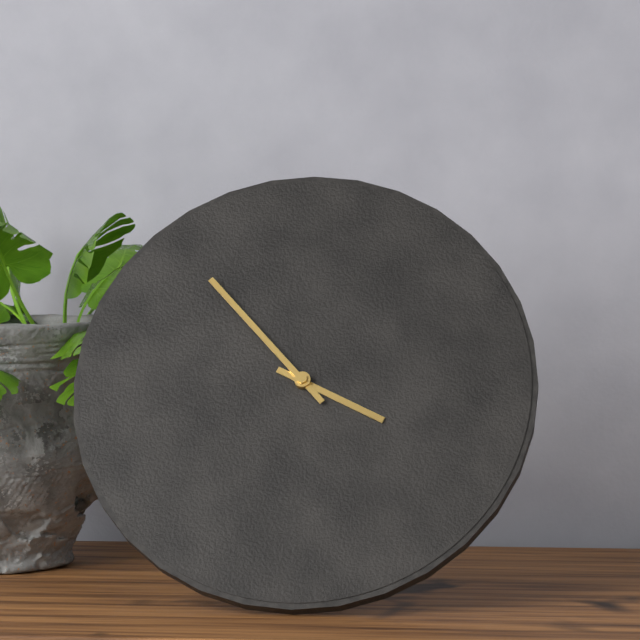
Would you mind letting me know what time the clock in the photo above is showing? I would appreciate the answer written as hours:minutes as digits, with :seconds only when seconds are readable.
3:53
